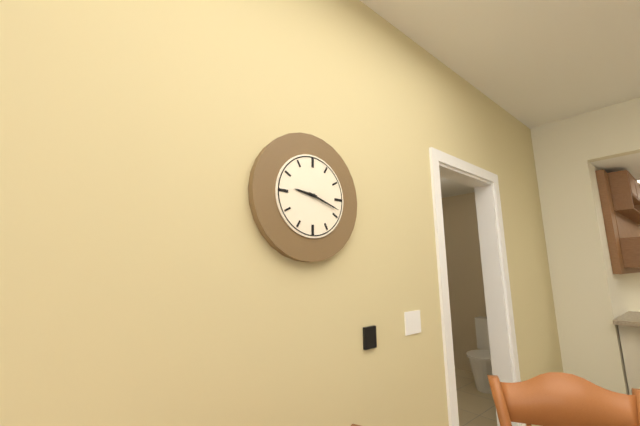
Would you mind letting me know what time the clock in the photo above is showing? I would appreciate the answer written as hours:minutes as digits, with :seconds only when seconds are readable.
9:18
